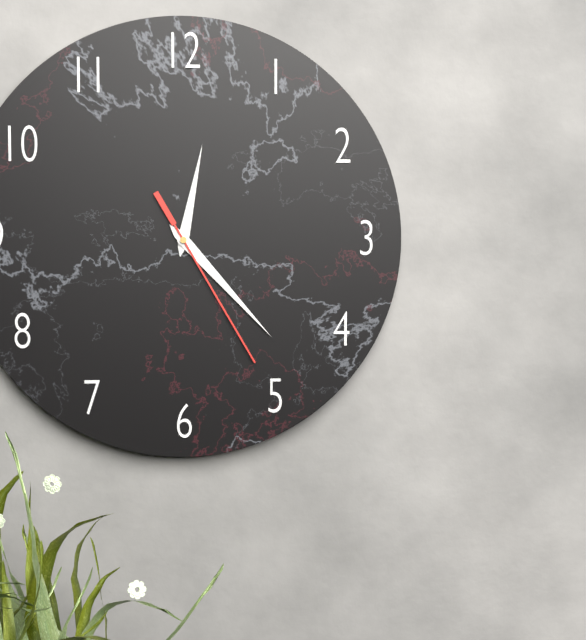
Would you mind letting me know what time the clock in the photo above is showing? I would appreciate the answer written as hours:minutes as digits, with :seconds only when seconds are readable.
12:23:25
